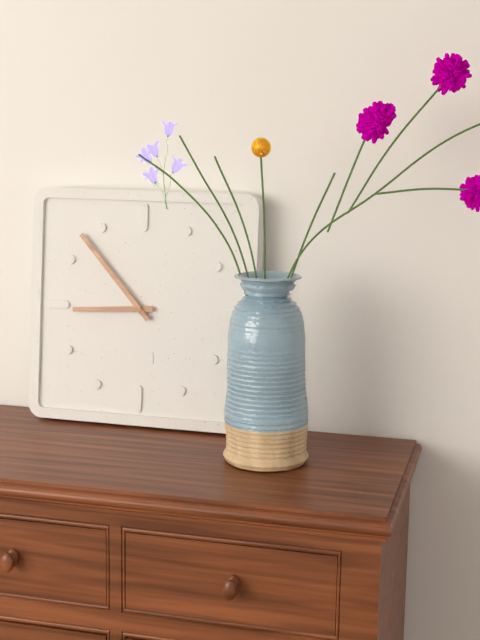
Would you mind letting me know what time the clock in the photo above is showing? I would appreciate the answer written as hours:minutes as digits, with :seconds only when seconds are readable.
8:53
